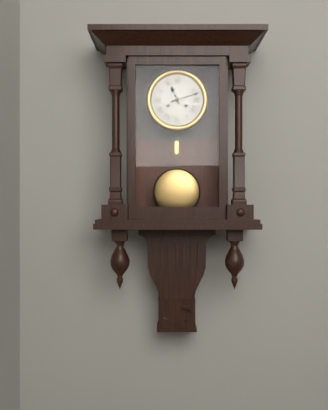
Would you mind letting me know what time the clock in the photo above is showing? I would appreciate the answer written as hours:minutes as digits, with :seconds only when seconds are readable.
11:12
